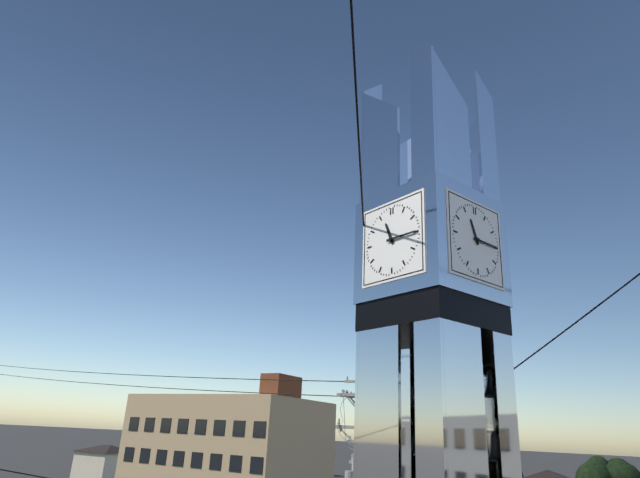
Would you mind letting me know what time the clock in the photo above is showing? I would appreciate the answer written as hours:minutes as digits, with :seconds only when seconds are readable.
11:15
